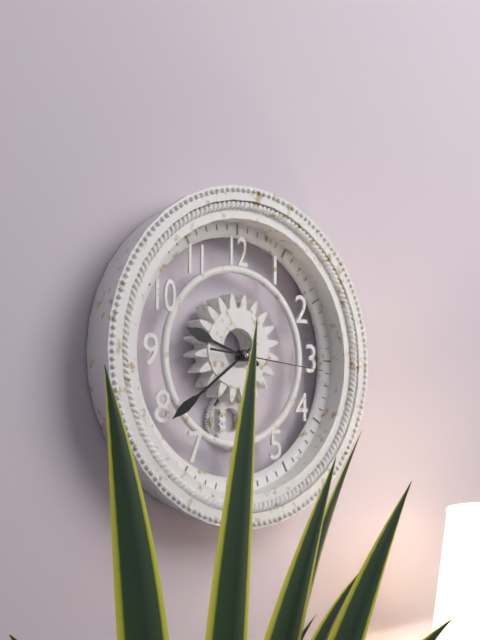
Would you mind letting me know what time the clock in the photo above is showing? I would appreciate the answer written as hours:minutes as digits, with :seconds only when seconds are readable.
9:39:16
